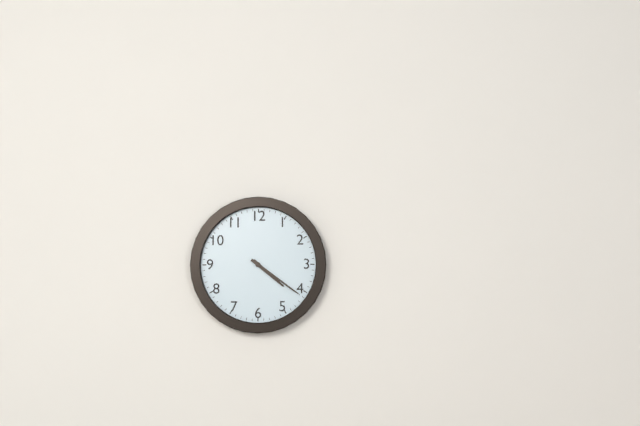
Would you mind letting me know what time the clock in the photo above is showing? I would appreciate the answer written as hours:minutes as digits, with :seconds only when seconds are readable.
4:21
